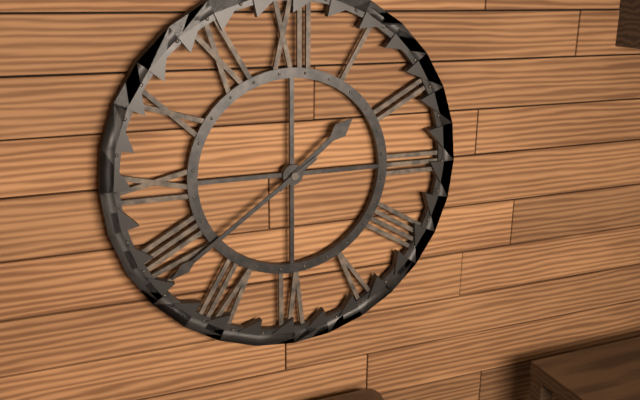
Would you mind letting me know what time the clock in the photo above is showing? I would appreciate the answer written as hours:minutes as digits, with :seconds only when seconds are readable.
1:39
